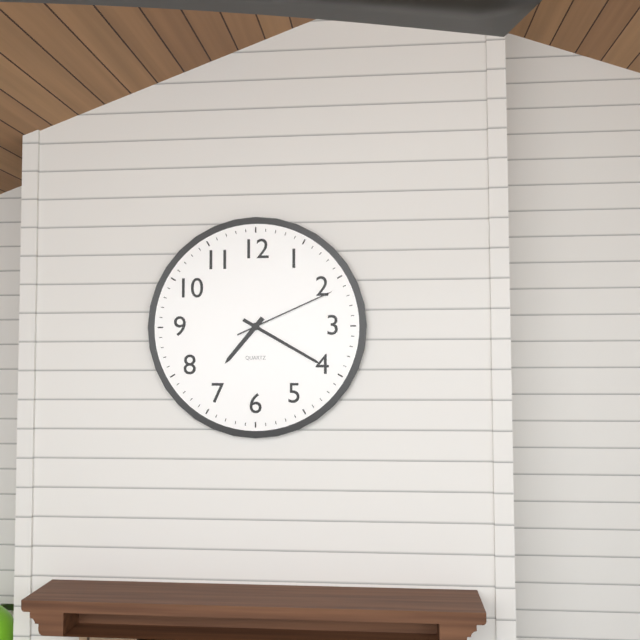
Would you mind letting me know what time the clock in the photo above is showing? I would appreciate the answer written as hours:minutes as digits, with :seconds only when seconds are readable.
7:20:11
